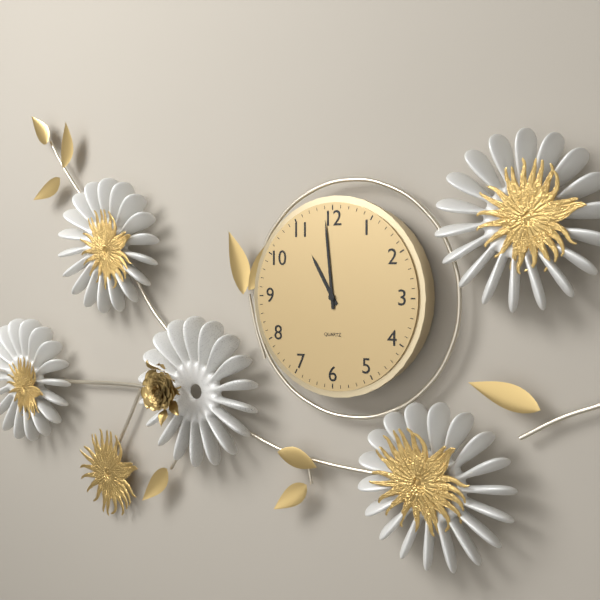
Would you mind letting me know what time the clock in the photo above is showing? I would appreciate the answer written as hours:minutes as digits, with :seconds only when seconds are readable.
10:59
